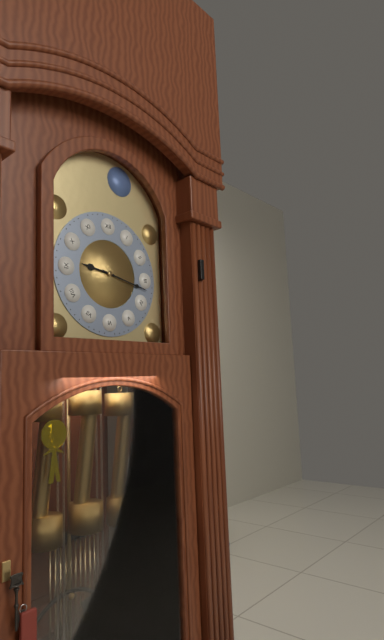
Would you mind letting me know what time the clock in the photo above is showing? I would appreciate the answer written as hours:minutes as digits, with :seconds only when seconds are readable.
9:17
